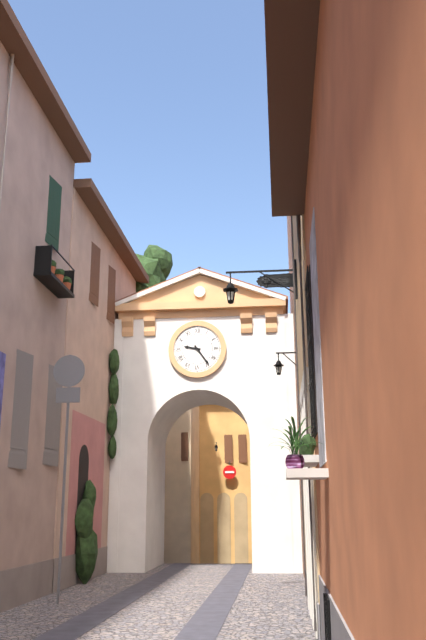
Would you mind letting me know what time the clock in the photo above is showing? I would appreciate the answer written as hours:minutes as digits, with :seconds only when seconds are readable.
9:24
